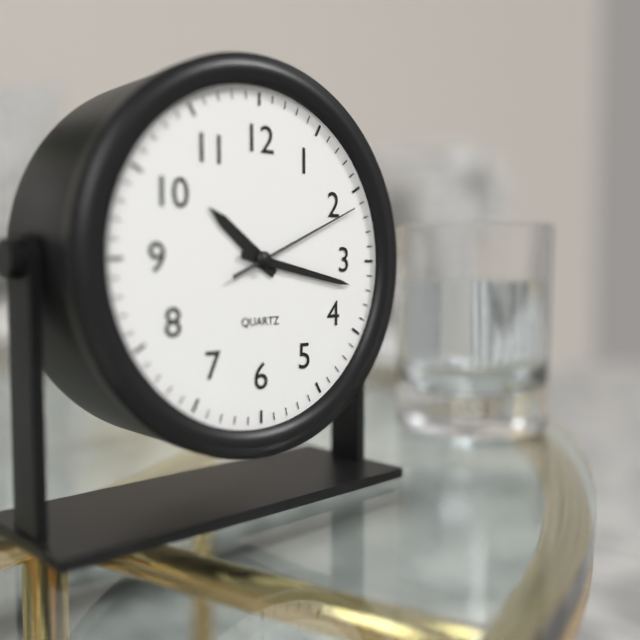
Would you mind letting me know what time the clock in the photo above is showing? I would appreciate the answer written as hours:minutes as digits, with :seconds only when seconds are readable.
10:17:11
